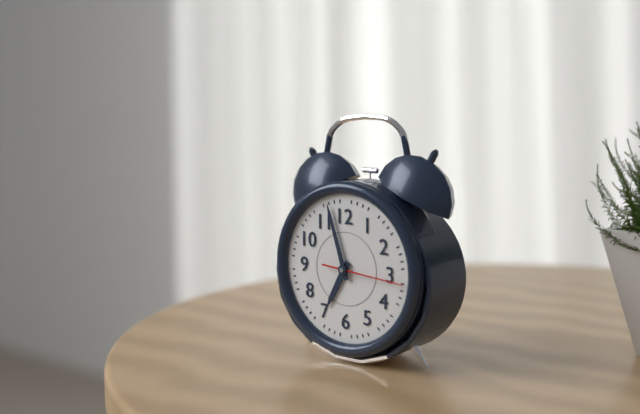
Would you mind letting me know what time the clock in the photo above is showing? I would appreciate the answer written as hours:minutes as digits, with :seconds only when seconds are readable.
6:57:16
